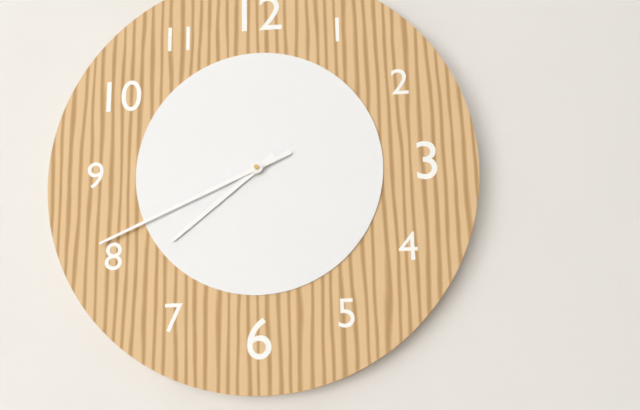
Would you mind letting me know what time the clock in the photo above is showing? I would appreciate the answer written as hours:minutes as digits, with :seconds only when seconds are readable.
7:41
